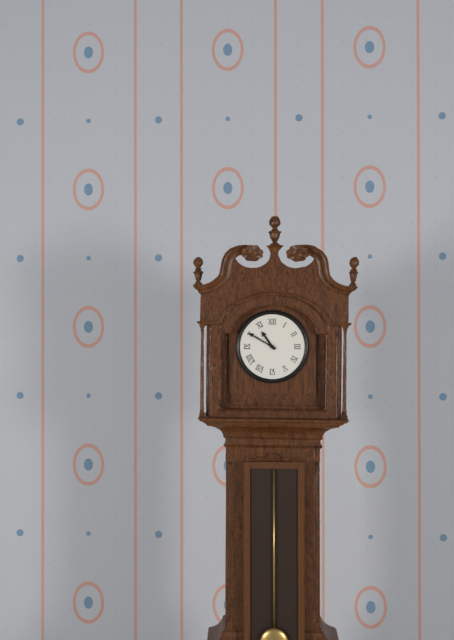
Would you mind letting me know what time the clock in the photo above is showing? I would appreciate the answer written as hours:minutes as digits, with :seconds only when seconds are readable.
10:50
